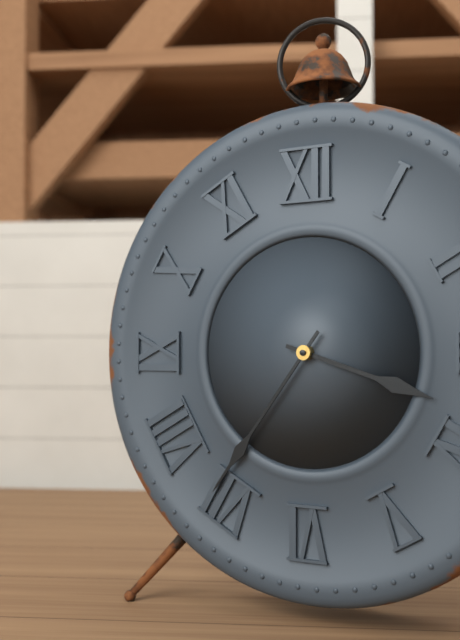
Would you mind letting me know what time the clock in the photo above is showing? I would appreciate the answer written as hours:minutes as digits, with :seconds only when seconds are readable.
3:36
